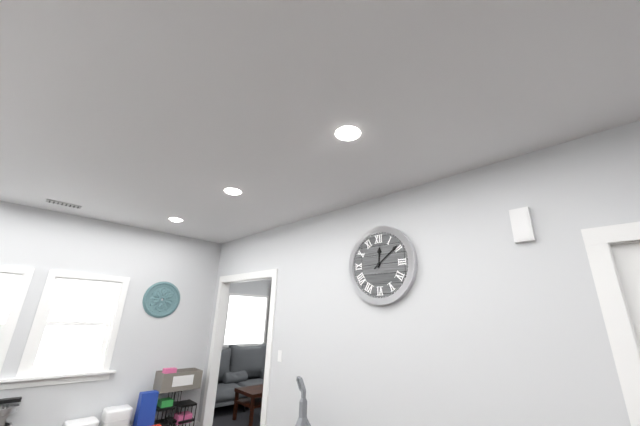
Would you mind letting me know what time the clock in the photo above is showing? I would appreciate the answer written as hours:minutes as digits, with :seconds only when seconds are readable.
12:09
